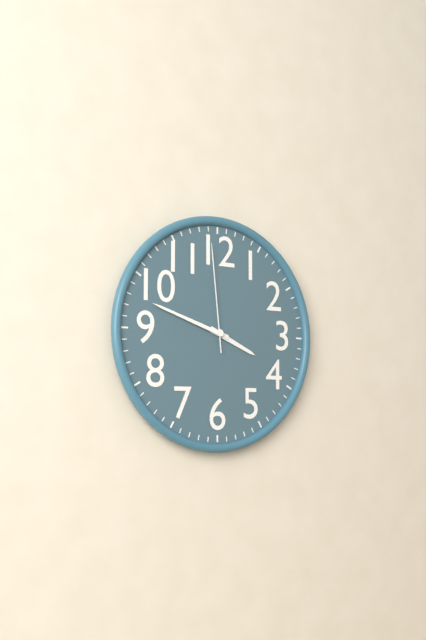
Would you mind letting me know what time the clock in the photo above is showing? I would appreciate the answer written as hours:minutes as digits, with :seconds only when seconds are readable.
3:48:59
